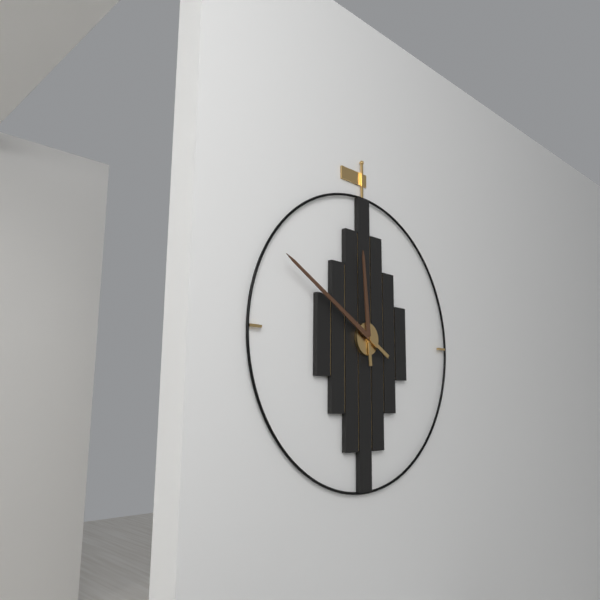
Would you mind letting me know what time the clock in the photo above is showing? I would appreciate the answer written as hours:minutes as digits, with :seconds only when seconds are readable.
11:50
